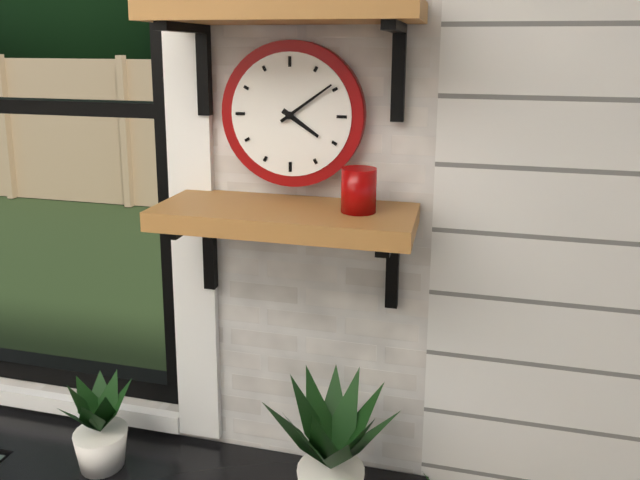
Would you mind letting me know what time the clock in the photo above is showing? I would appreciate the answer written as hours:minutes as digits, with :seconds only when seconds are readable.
4:09
